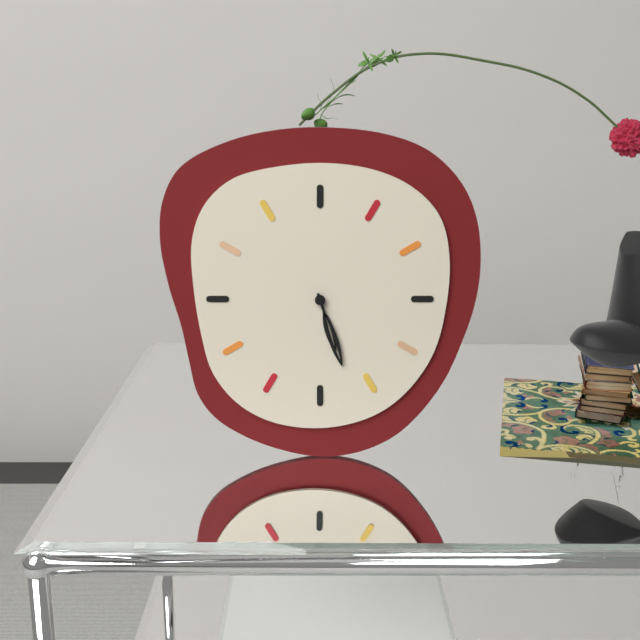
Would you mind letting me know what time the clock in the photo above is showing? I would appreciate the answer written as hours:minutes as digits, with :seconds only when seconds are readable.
5:27
